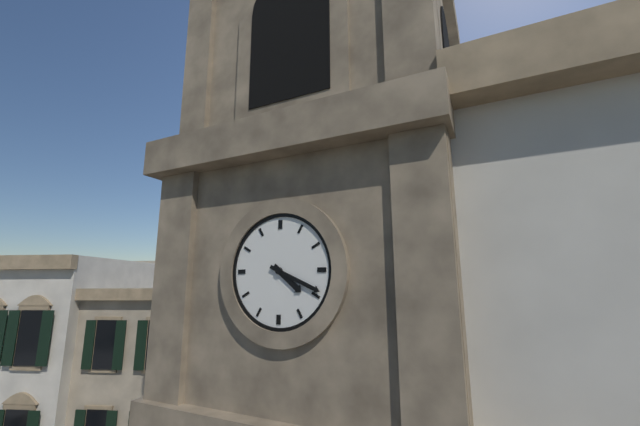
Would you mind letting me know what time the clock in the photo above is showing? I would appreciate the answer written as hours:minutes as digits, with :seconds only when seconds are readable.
4:19
